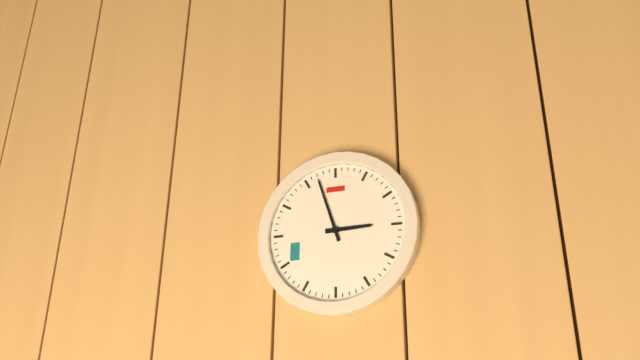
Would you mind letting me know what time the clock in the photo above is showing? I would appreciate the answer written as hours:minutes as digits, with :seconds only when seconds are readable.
2:57
